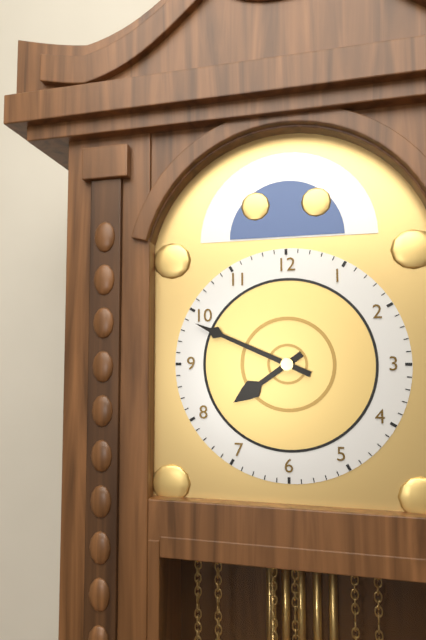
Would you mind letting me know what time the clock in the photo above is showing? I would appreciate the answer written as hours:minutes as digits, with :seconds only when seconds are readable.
7:49
